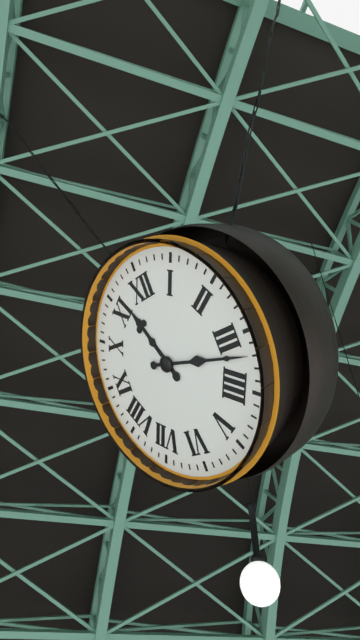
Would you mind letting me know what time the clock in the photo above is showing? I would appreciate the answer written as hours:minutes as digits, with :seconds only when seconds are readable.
11:17
